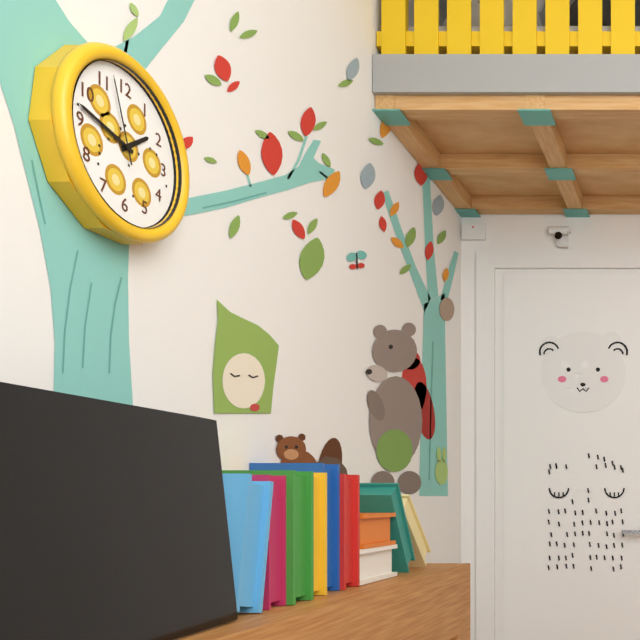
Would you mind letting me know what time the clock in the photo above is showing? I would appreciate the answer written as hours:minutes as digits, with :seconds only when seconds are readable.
1:47:57
